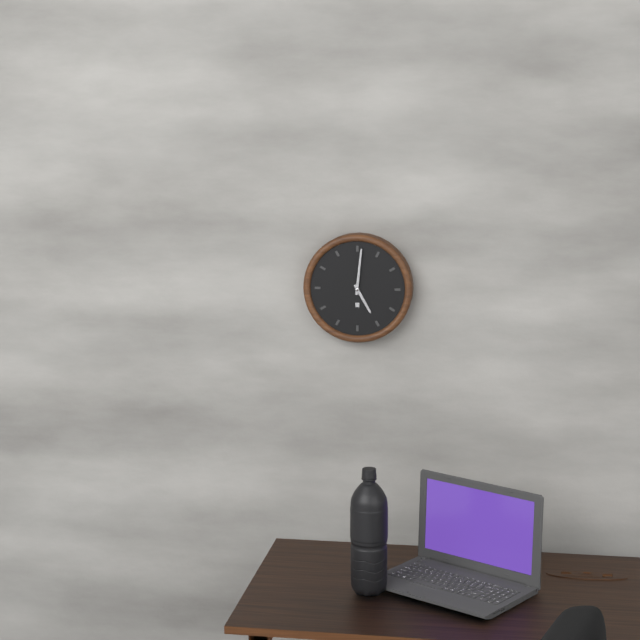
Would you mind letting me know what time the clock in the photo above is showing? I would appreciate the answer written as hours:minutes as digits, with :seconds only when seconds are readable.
5:01
